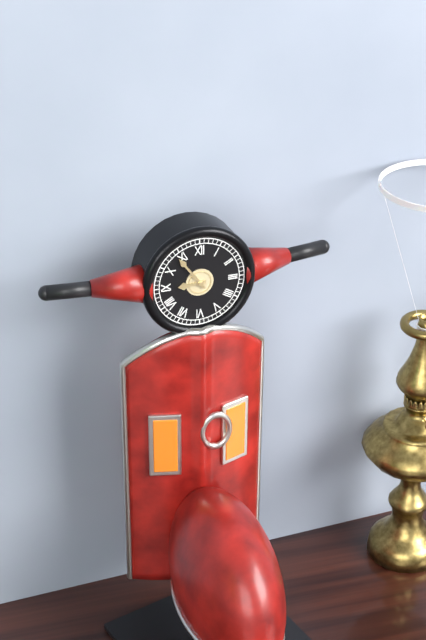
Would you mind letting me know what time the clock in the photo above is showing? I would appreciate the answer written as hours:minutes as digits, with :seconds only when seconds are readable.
8:54
